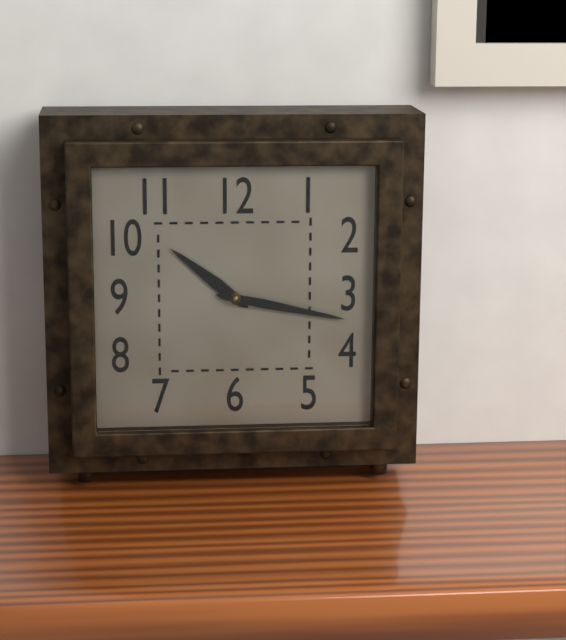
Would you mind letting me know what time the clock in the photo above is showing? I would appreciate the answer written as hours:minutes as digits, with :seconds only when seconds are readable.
10:17
